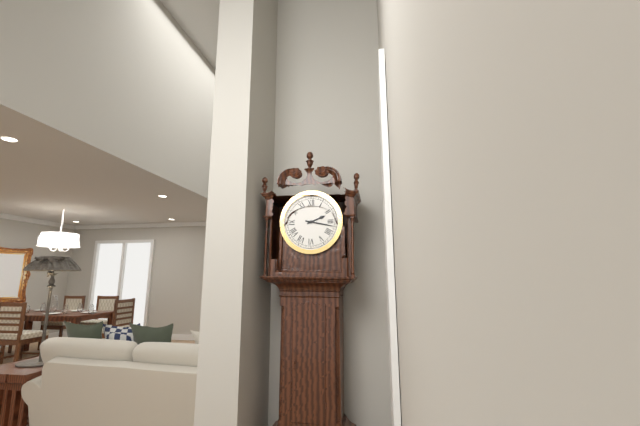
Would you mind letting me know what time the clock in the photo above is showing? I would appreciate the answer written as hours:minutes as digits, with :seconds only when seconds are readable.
2:17
